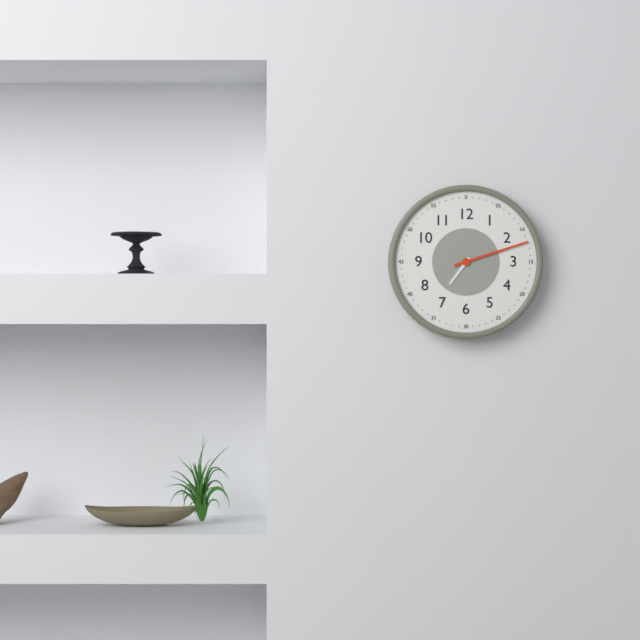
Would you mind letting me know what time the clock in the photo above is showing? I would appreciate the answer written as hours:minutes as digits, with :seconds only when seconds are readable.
7:12
